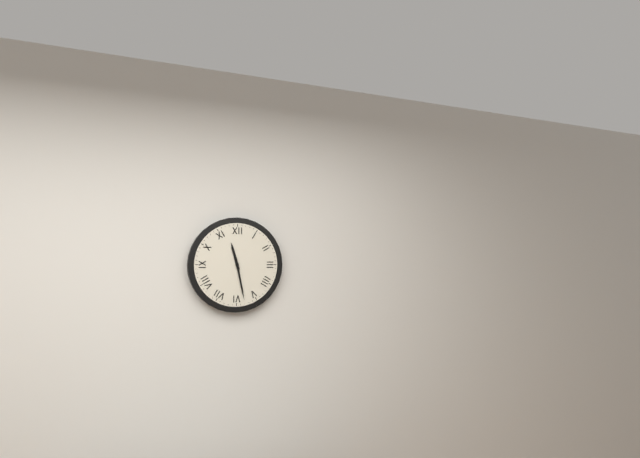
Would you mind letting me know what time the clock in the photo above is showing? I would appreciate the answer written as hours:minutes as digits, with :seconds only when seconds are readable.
11:28
